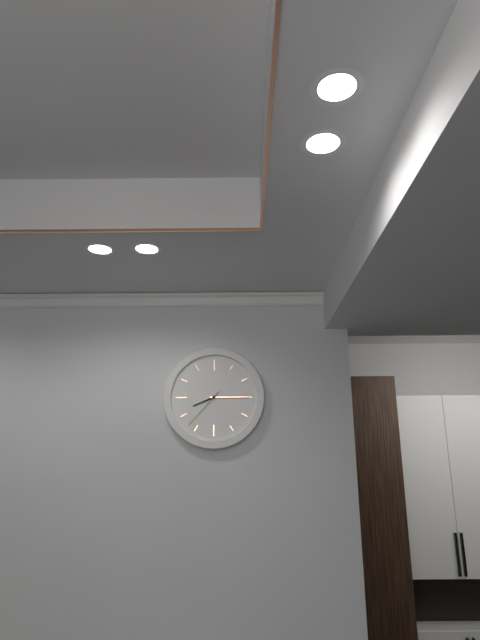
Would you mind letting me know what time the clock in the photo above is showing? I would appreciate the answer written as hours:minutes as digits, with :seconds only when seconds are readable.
8:15
